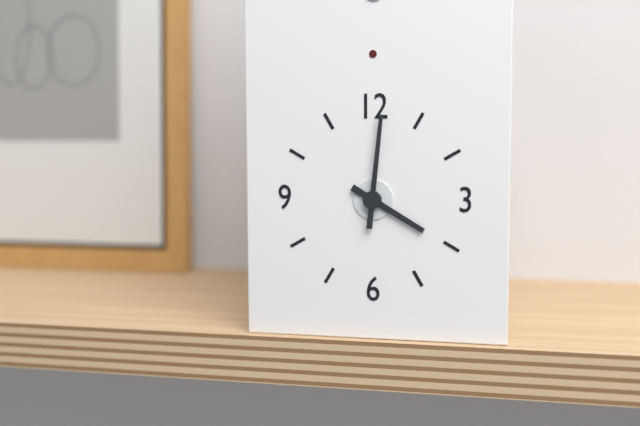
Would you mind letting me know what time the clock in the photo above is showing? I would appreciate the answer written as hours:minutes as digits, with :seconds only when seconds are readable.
4:01
